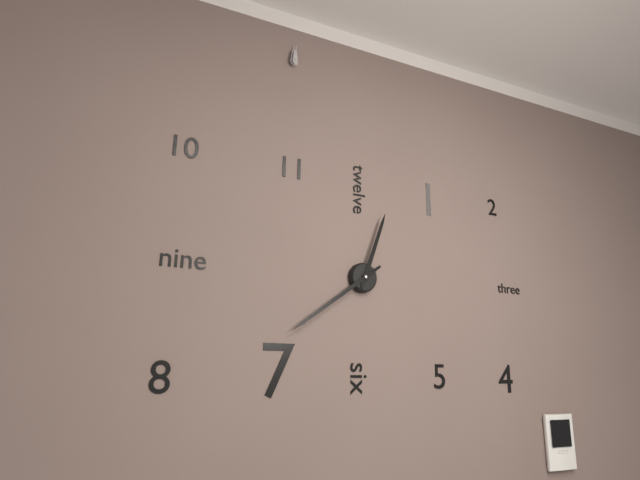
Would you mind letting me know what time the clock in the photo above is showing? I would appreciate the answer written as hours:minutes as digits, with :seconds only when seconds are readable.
12:39
